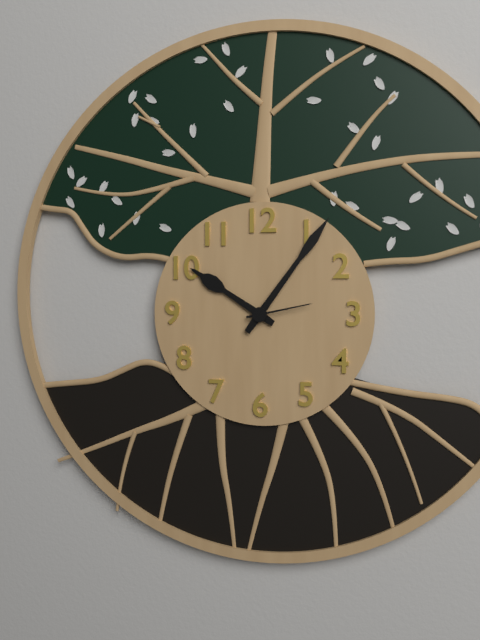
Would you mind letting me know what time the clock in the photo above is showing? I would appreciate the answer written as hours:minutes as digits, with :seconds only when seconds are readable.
10:06:13
